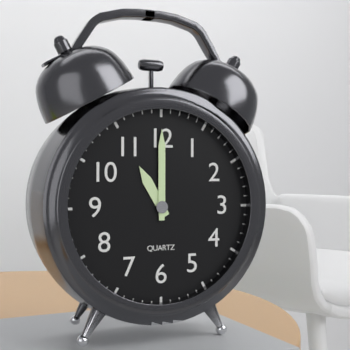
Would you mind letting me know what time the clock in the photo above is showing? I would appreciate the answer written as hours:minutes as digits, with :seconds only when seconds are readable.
11:00
